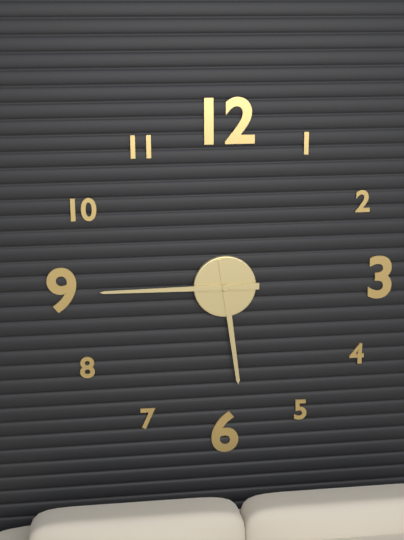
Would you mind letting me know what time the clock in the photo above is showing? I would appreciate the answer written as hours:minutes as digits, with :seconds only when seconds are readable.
5:45
